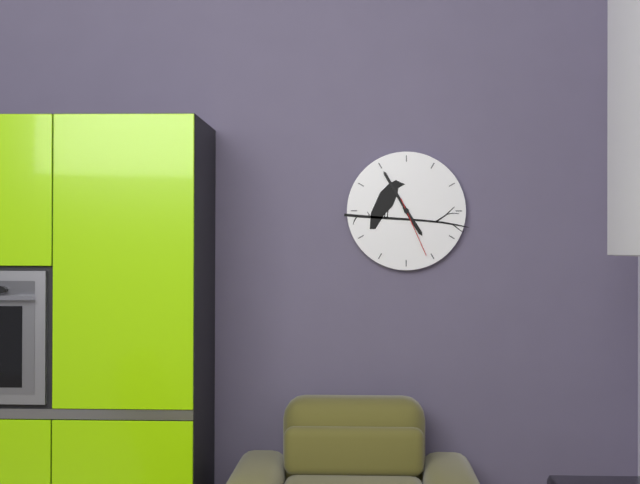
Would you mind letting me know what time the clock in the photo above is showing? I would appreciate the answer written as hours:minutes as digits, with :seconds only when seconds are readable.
4:55:26
